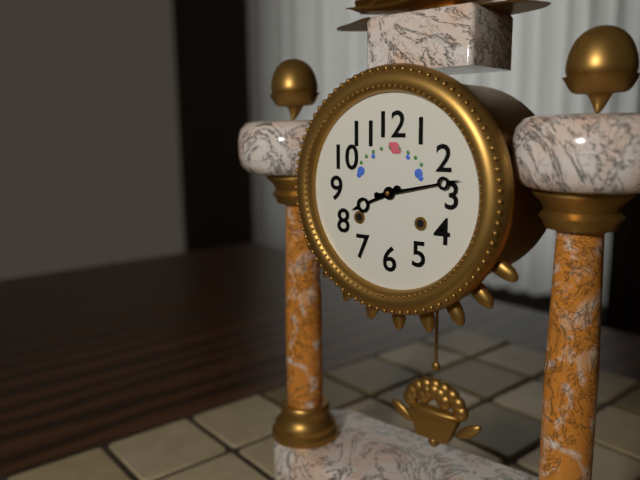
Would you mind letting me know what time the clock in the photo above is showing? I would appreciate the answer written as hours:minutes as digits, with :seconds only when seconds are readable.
8:13
